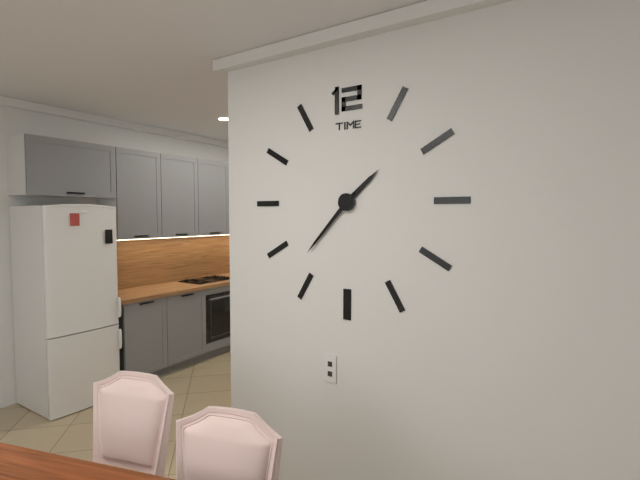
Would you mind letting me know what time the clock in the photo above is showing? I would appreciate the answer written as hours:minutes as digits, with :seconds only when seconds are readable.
1:37
